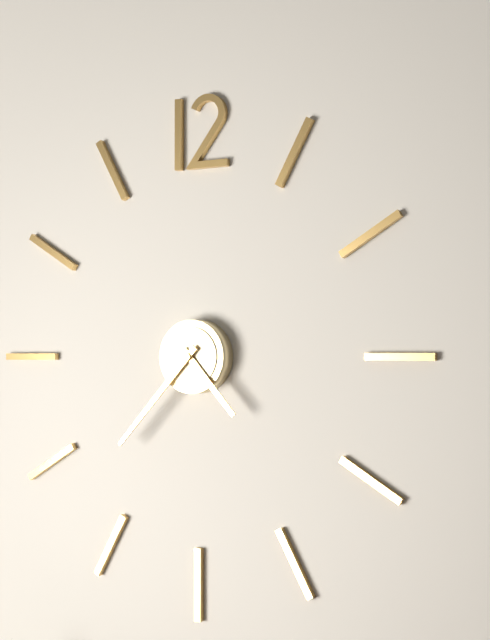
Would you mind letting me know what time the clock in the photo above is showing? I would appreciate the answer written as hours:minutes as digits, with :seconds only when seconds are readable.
4:37
